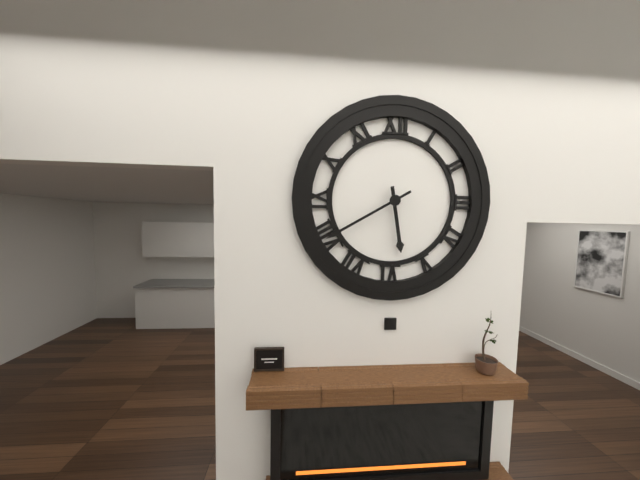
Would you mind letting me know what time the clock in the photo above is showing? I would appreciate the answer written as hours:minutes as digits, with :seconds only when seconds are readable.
5:40
